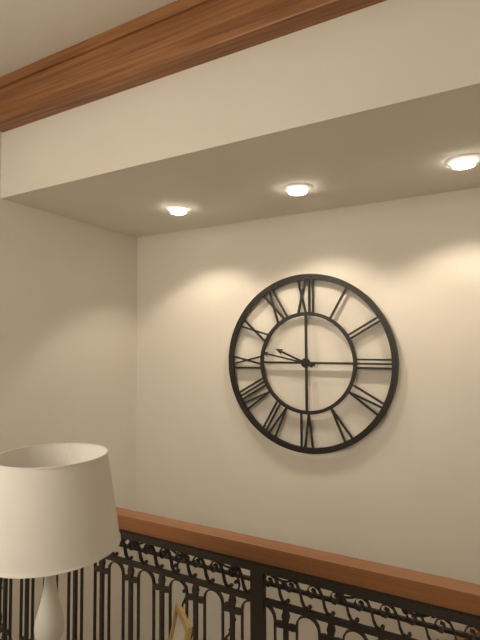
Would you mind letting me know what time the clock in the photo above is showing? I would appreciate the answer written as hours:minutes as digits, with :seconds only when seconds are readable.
9:47
